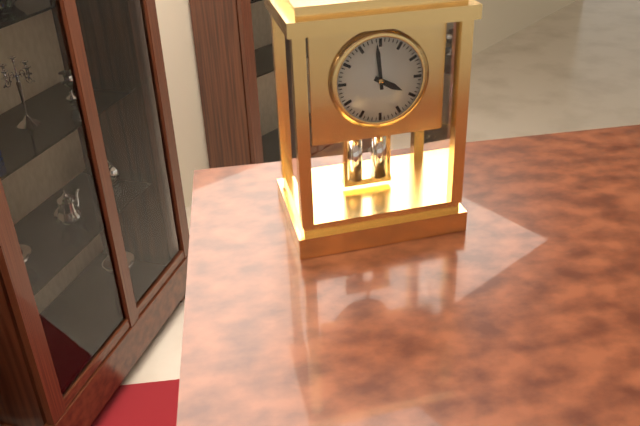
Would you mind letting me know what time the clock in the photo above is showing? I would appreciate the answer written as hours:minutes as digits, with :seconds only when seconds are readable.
3:59
